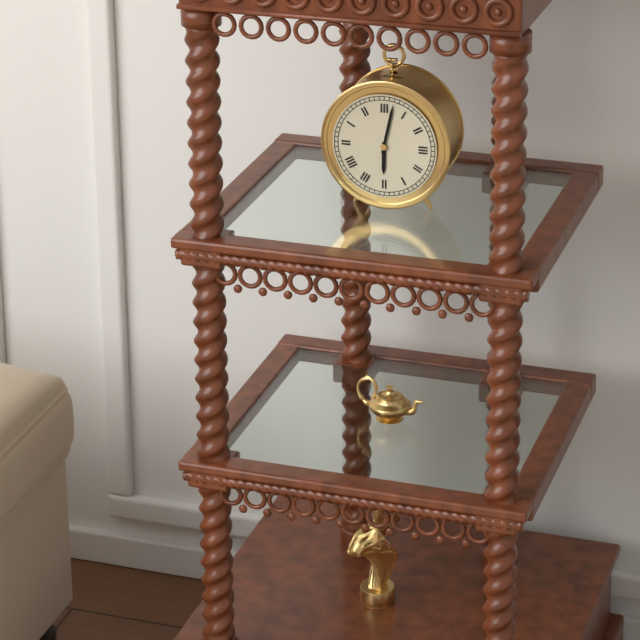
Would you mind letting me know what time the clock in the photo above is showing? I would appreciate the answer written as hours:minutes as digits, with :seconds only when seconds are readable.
6:02
